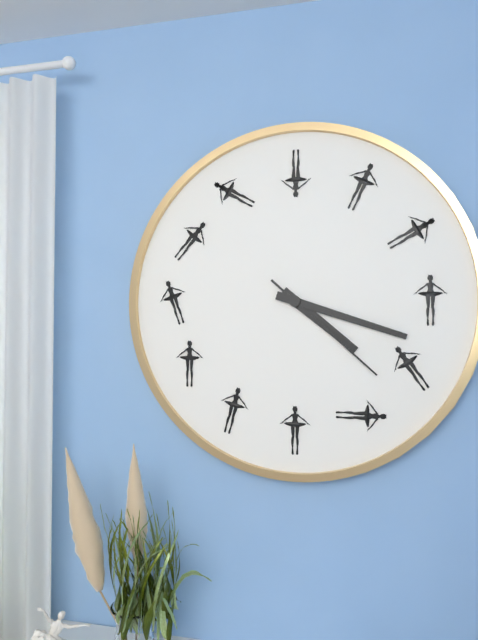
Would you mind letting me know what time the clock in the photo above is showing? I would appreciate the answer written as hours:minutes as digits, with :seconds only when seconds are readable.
4:18:22
